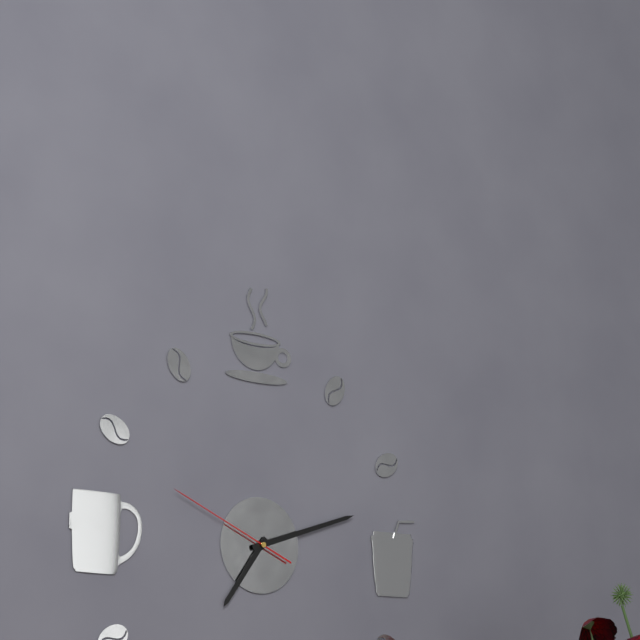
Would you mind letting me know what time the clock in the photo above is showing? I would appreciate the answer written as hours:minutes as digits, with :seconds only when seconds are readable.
7:12:49
